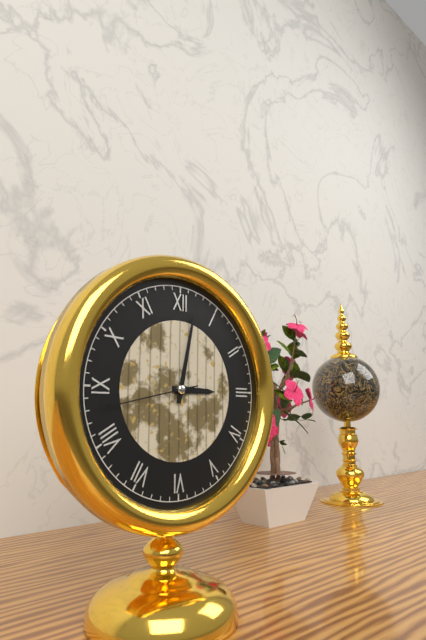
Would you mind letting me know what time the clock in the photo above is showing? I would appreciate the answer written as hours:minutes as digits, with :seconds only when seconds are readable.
3:02:43
